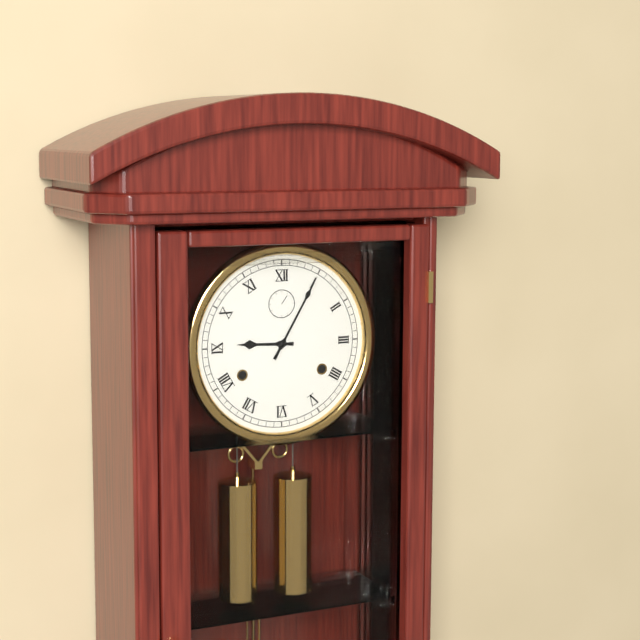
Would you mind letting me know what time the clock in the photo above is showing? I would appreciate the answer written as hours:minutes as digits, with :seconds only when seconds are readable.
9:05
